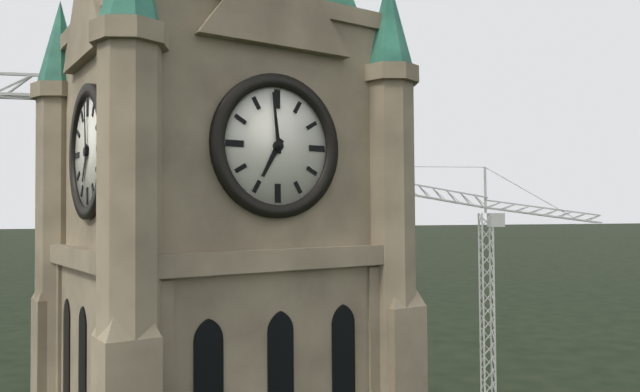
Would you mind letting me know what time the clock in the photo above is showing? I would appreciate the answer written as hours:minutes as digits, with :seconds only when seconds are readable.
6:59
